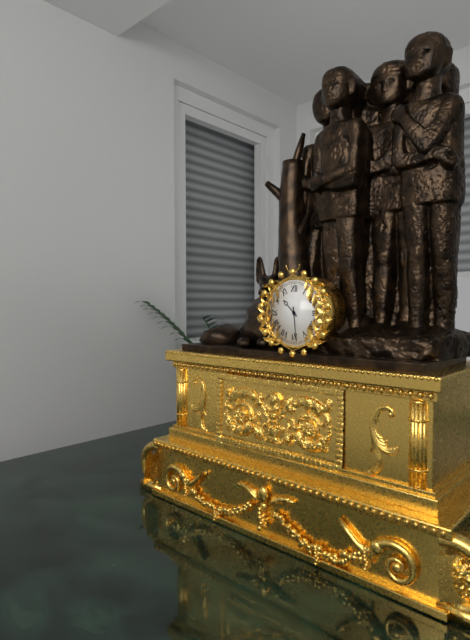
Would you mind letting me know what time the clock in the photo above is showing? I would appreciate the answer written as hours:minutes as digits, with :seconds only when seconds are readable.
10:29
